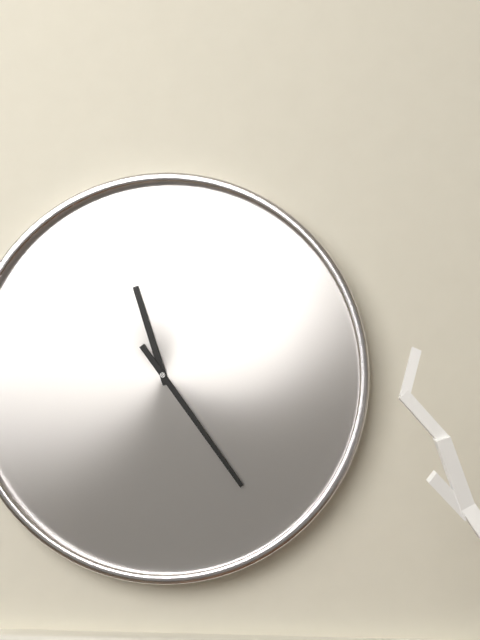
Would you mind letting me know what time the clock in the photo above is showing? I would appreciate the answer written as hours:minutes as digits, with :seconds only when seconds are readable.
11:24
